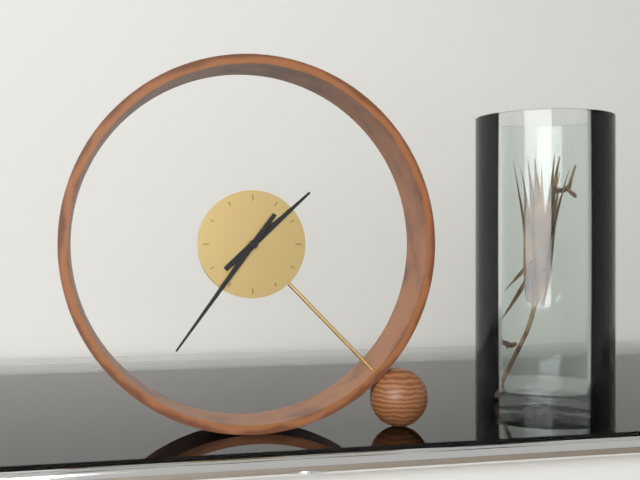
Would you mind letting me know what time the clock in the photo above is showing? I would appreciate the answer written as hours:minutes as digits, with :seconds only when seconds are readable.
1:36
